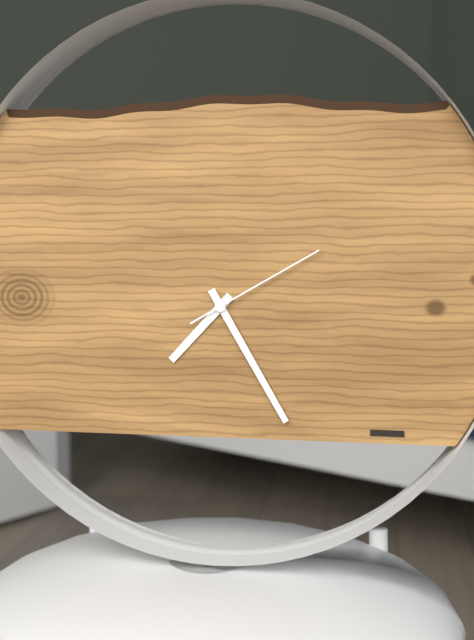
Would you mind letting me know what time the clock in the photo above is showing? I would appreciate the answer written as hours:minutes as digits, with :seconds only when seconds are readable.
7:25:10
